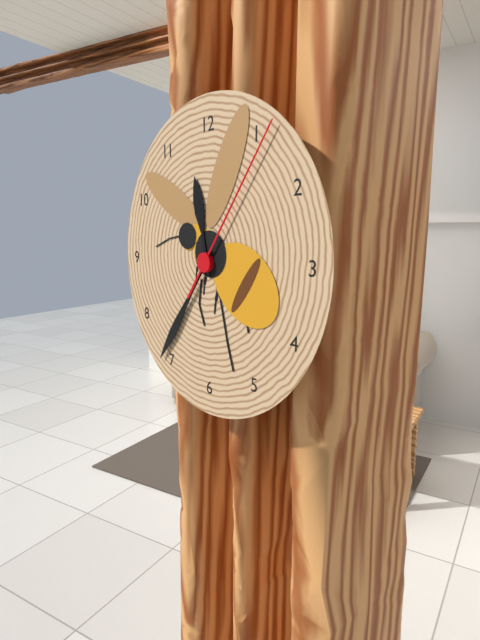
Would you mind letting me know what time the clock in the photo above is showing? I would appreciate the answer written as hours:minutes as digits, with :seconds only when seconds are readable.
11:36:06
